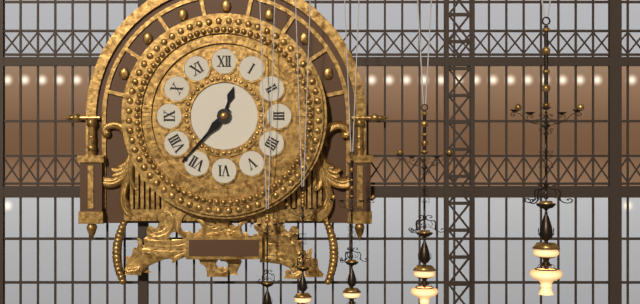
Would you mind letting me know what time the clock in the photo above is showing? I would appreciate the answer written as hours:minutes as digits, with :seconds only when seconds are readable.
12:37
